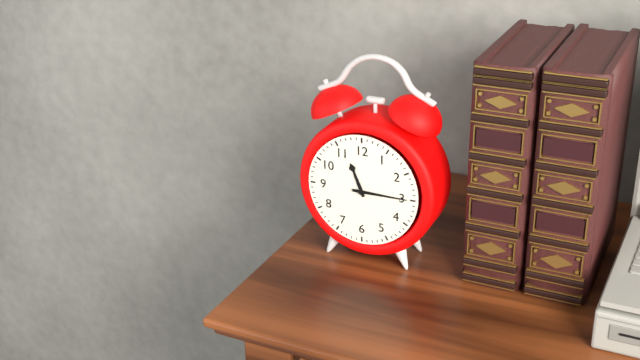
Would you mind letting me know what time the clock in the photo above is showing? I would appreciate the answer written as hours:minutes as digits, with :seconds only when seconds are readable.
11:15
